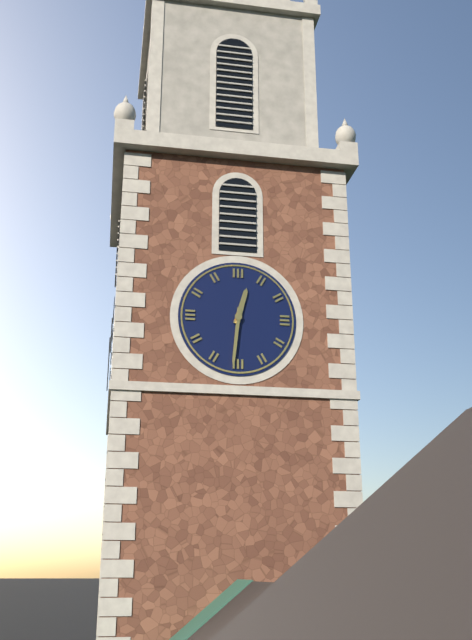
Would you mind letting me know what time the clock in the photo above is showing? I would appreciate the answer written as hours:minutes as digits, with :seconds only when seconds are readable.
12:31
